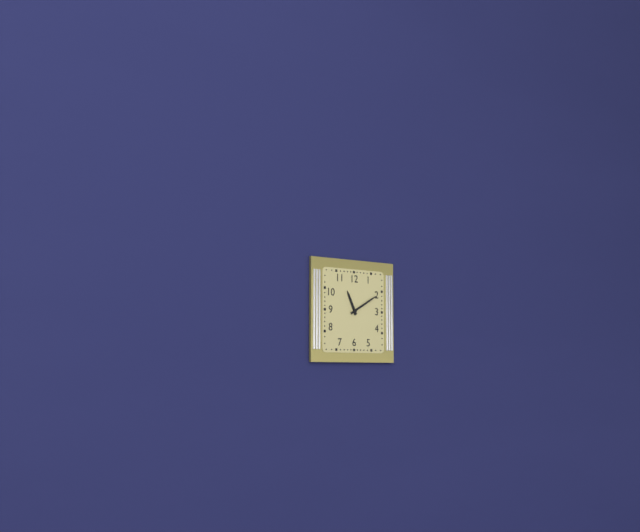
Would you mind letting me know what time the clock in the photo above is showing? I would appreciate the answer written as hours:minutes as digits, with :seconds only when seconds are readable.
11:10
